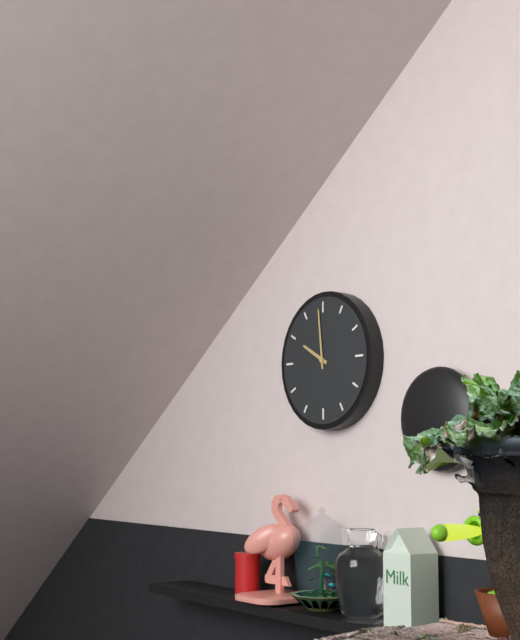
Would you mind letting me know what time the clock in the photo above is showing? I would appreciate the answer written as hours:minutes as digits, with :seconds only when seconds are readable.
9:59
